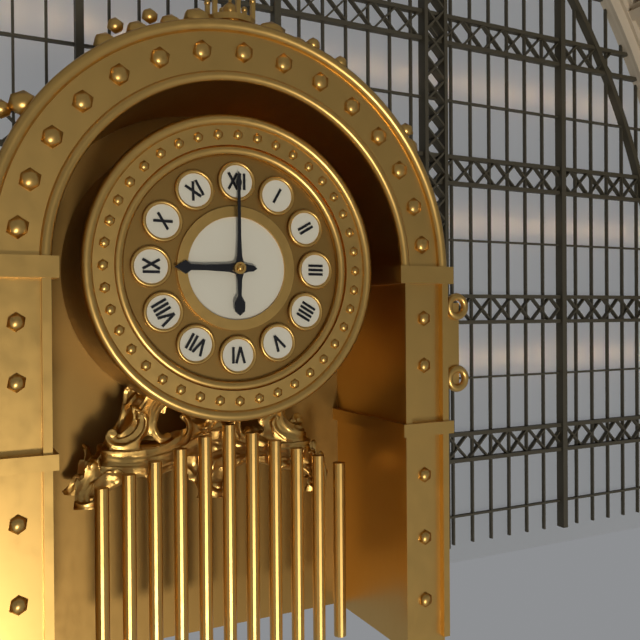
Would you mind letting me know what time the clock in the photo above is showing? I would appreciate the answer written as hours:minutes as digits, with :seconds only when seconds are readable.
9:00
